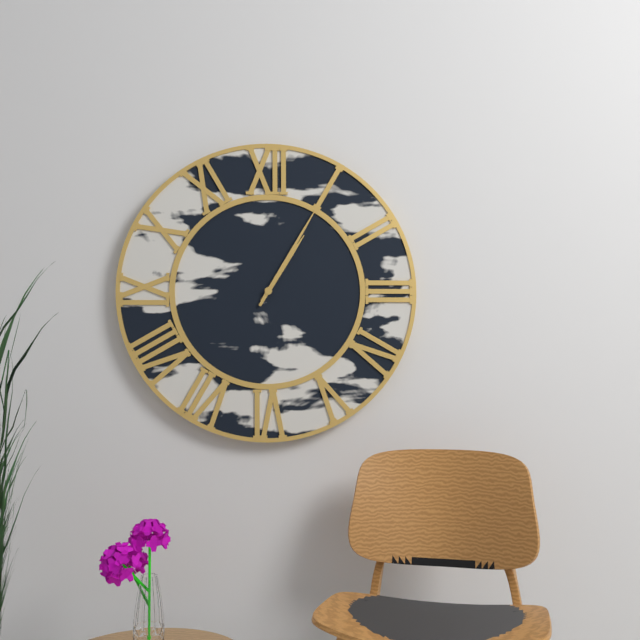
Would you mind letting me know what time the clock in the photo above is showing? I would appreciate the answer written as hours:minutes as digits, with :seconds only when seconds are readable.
1:05
